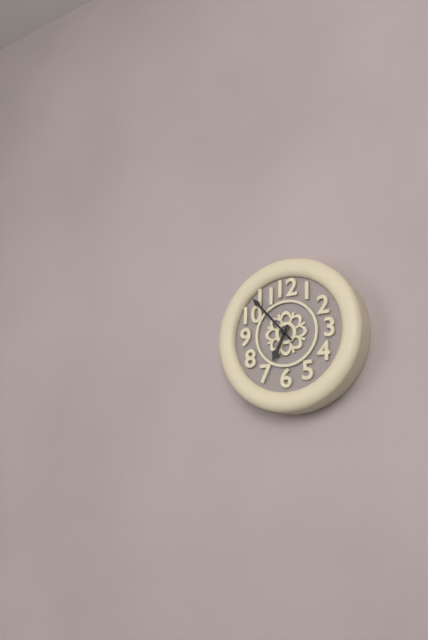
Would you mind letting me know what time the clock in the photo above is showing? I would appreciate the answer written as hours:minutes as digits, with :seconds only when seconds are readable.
6:53
